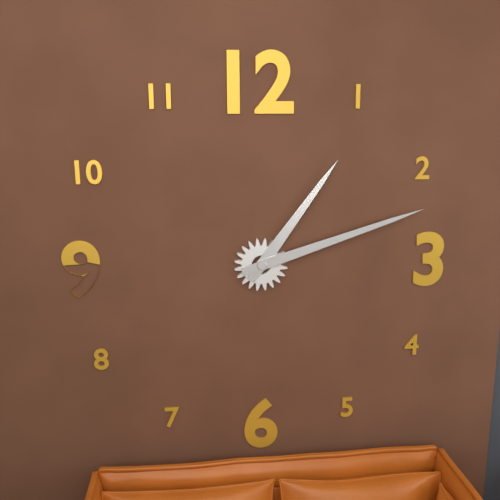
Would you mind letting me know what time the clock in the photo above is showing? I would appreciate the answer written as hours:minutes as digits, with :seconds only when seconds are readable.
1:12
